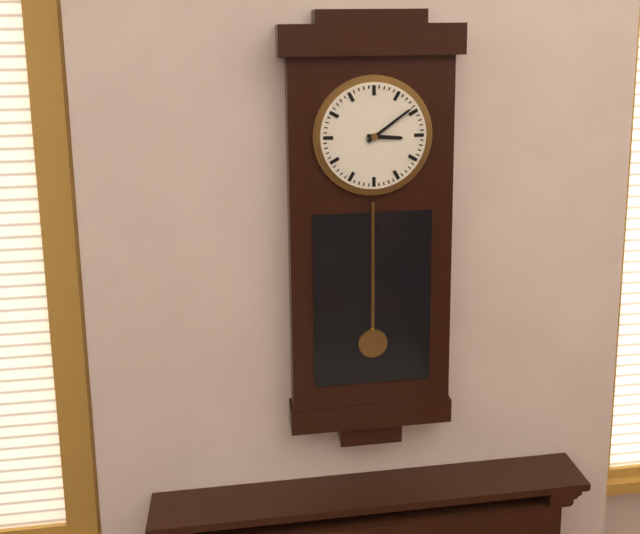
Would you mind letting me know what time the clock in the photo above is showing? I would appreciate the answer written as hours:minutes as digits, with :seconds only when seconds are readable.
3:09
